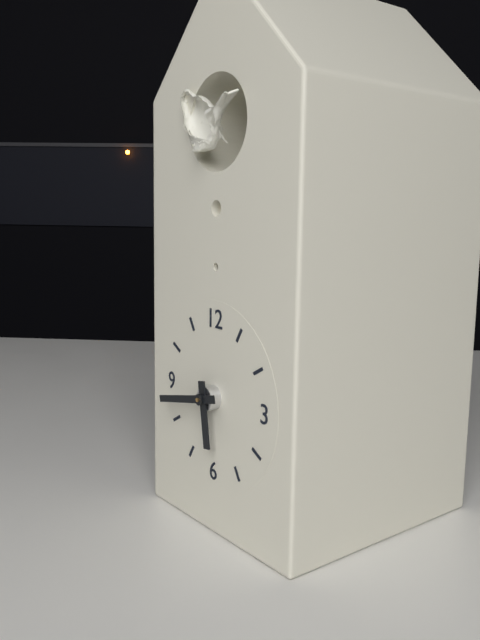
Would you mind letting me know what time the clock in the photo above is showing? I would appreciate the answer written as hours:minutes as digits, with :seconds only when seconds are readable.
5:43
